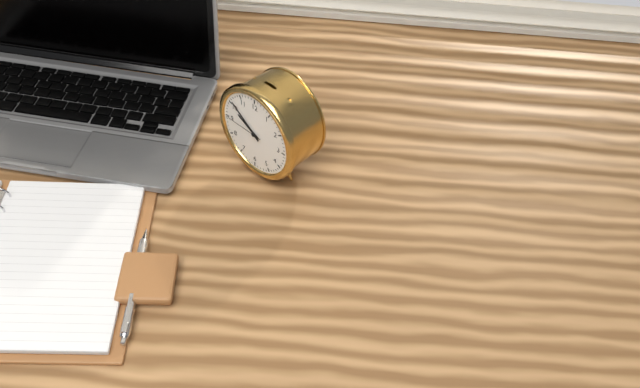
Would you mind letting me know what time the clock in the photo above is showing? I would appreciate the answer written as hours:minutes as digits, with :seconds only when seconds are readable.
9:51
